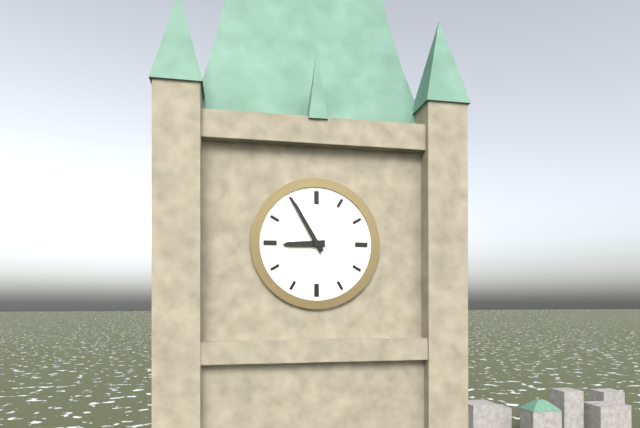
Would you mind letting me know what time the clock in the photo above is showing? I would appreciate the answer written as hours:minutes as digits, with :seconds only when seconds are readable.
8:55
